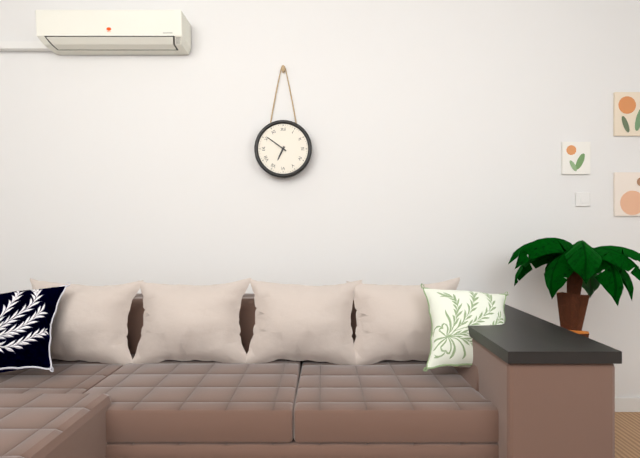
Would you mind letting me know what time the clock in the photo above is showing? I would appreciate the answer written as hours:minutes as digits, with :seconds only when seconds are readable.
6:51
